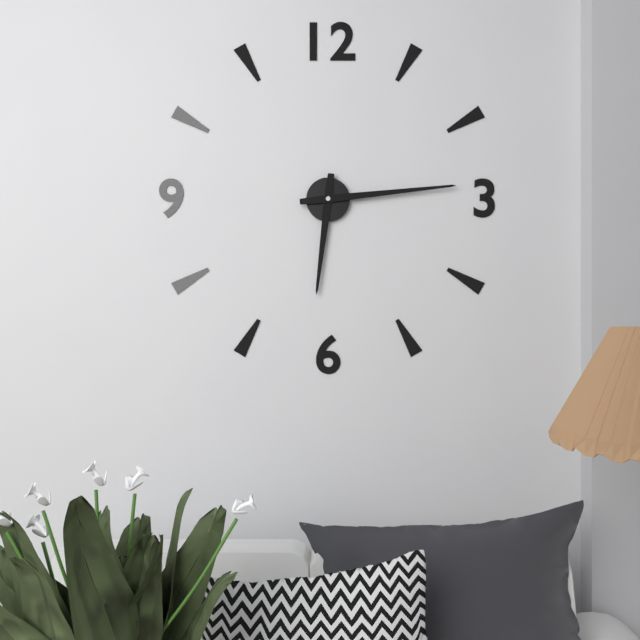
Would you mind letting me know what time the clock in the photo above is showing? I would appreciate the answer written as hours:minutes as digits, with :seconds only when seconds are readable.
6:14
